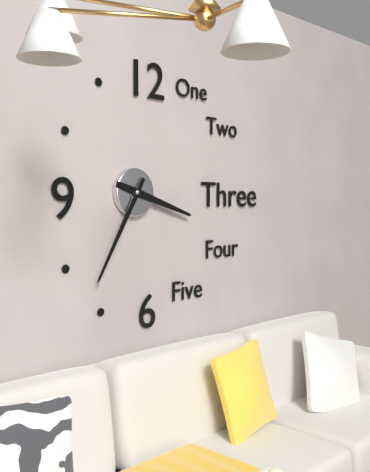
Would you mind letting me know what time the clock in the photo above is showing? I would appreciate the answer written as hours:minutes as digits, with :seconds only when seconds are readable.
3:35
